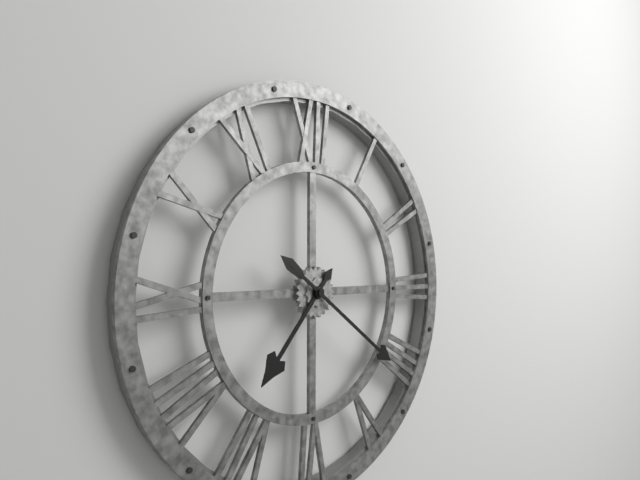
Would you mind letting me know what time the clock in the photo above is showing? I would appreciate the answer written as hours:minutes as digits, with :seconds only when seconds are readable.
7:21
